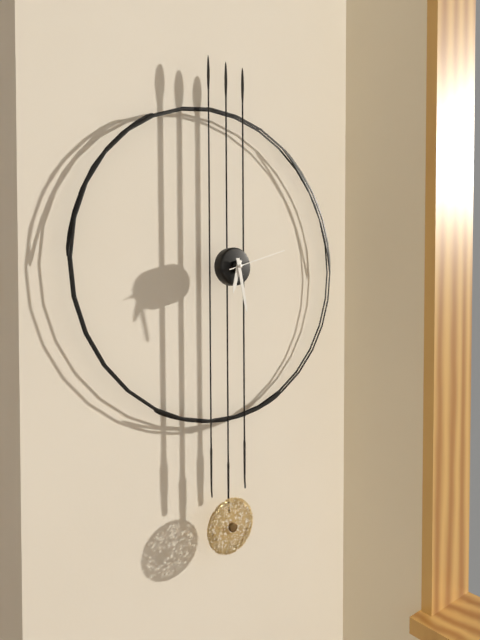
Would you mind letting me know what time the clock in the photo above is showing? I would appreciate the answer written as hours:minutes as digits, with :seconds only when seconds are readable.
6:28:12
